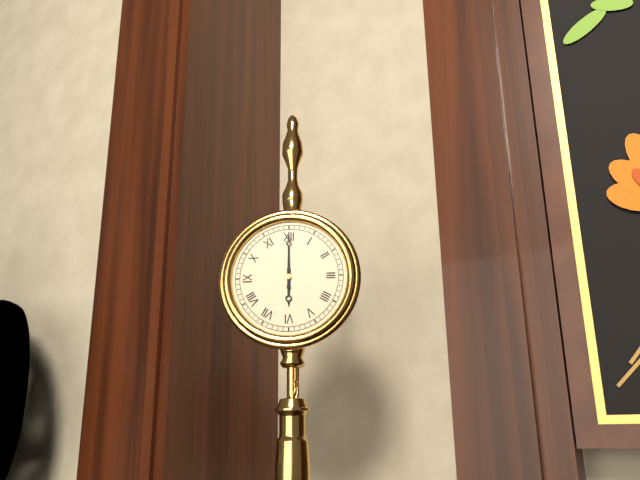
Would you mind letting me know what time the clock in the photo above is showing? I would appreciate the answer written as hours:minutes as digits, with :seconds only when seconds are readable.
6:00
